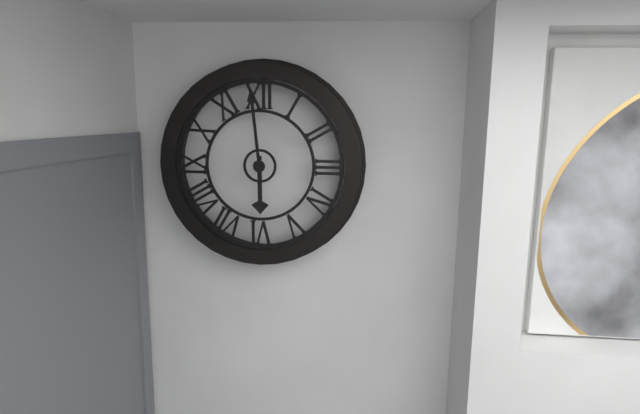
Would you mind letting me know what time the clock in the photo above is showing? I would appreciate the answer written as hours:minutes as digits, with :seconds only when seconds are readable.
5:59
